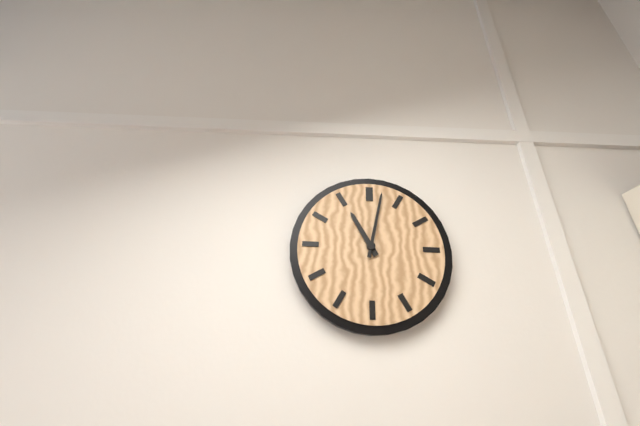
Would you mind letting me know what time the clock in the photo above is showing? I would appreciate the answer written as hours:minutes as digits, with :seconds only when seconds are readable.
11:02
